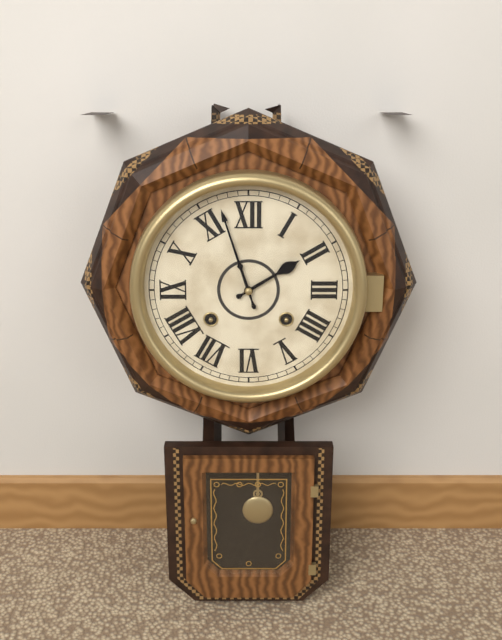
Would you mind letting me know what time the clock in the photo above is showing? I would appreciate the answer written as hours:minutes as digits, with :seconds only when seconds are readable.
1:57
